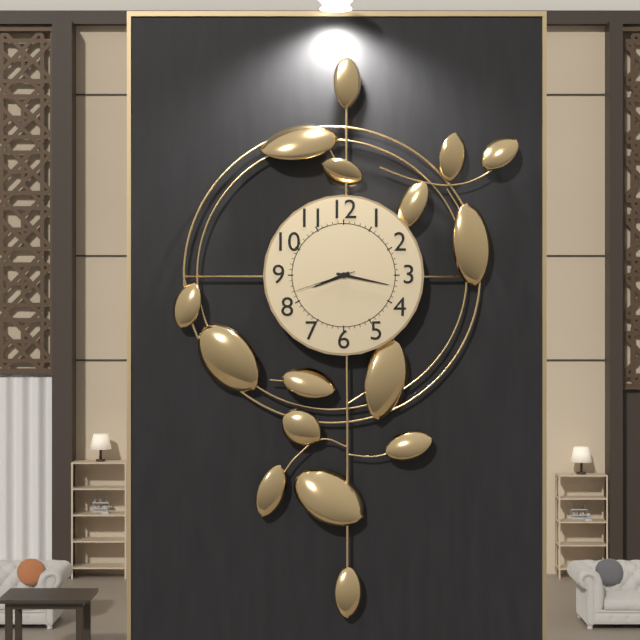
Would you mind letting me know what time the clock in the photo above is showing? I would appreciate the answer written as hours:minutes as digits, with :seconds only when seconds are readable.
8:17:42
